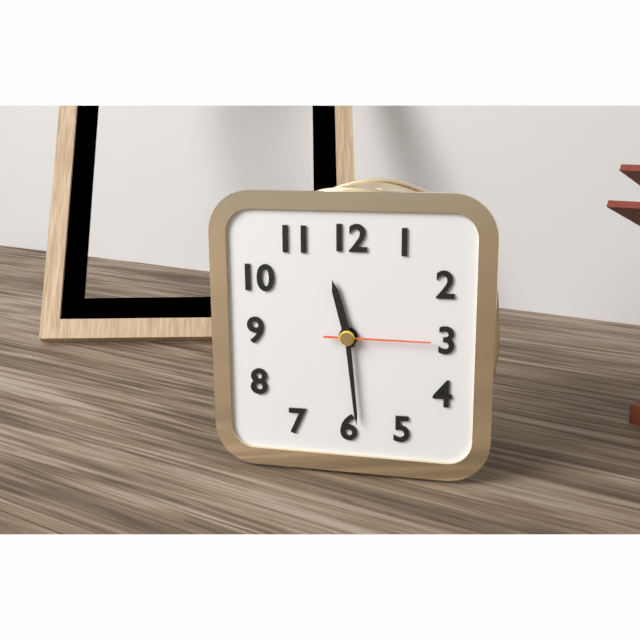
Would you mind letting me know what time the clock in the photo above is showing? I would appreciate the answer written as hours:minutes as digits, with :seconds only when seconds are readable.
11:29:15
